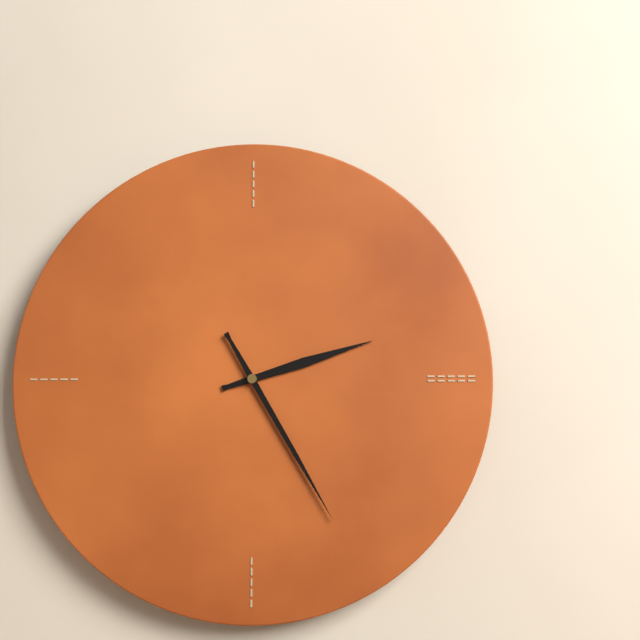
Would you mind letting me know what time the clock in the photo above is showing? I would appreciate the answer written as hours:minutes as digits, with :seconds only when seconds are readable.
2:25
